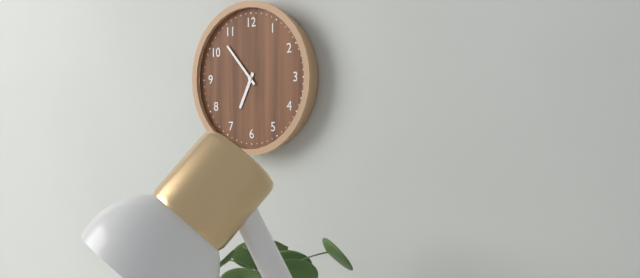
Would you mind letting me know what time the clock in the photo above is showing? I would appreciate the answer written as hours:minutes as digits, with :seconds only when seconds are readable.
6:53
